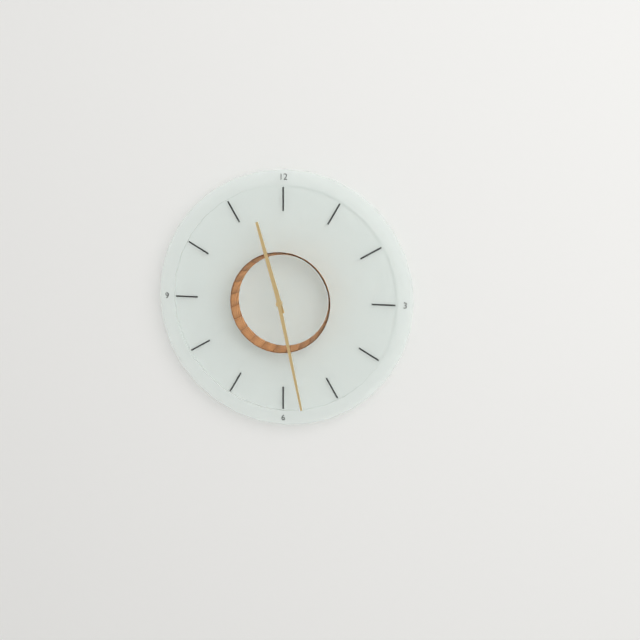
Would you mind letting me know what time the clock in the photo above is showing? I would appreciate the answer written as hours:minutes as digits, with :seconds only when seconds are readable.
11:28
